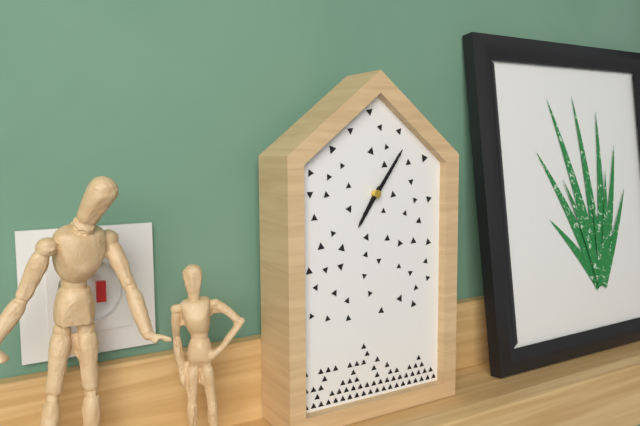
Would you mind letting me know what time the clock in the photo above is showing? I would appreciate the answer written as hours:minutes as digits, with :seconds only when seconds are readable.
7:06
